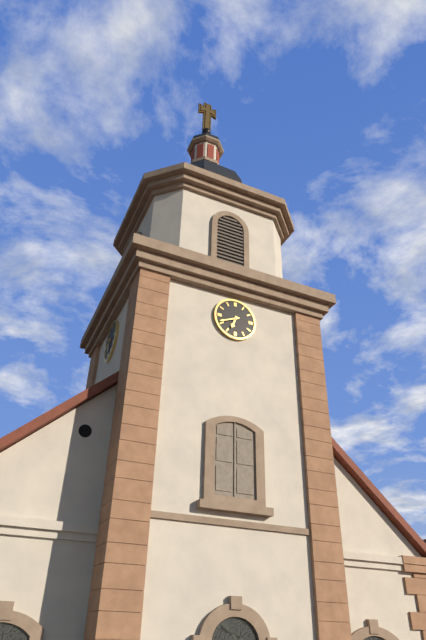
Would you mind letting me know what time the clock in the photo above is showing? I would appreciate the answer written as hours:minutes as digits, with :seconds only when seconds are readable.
6:41
